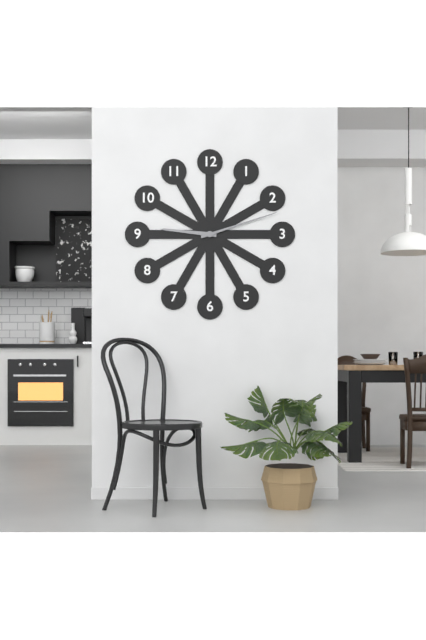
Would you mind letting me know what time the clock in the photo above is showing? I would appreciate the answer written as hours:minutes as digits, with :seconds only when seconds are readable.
9:12
